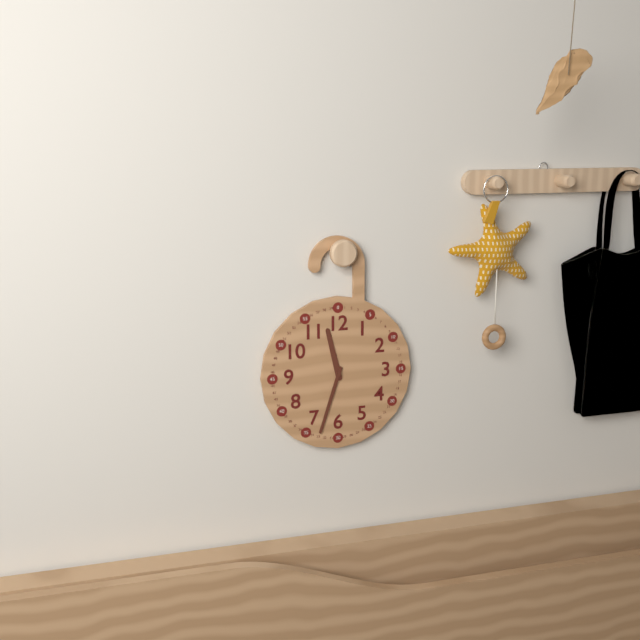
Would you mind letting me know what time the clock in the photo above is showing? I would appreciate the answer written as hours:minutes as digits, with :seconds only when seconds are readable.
11:33
